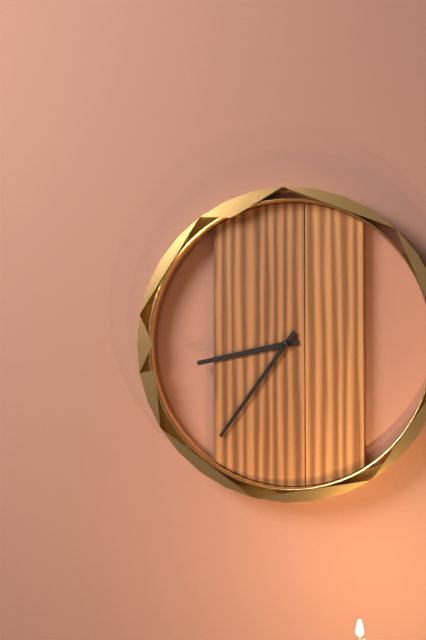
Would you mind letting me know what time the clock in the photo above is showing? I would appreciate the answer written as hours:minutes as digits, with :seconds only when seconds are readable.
8:36
